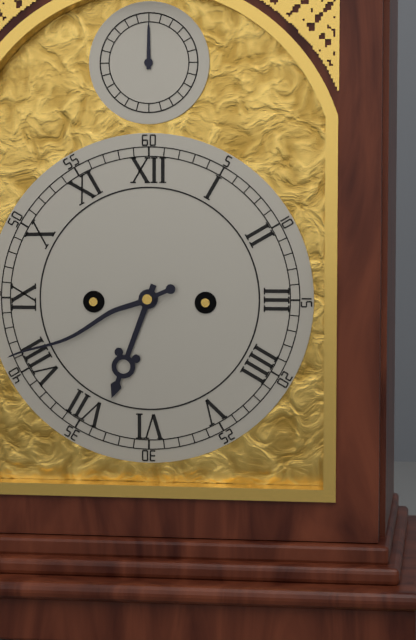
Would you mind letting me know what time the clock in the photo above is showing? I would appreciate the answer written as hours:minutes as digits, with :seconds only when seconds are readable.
6:41
